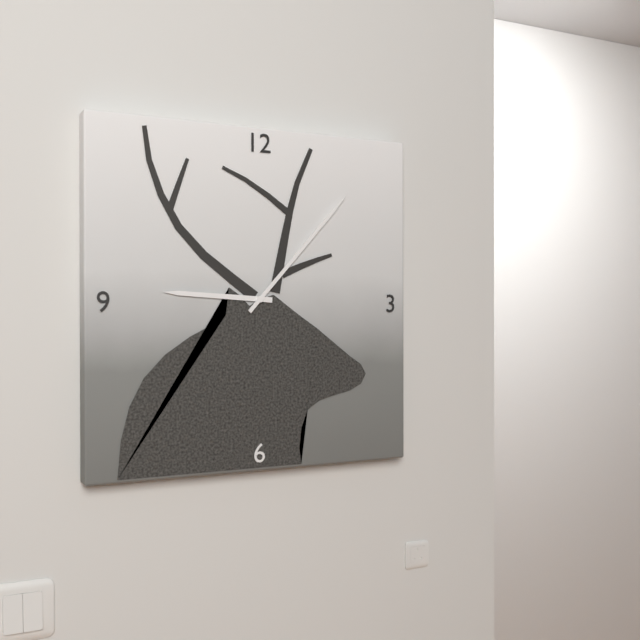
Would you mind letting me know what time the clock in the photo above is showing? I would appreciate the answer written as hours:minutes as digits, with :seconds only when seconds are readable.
9:07
